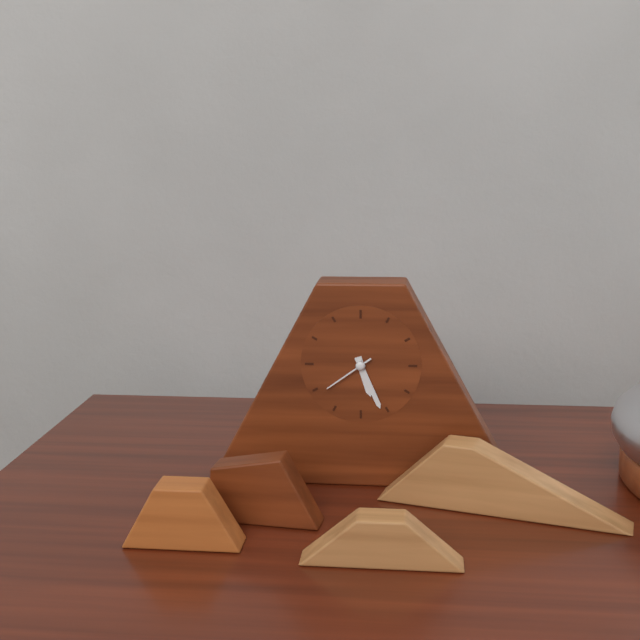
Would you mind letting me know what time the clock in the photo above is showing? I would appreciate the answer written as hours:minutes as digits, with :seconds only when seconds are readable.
5:26:39
